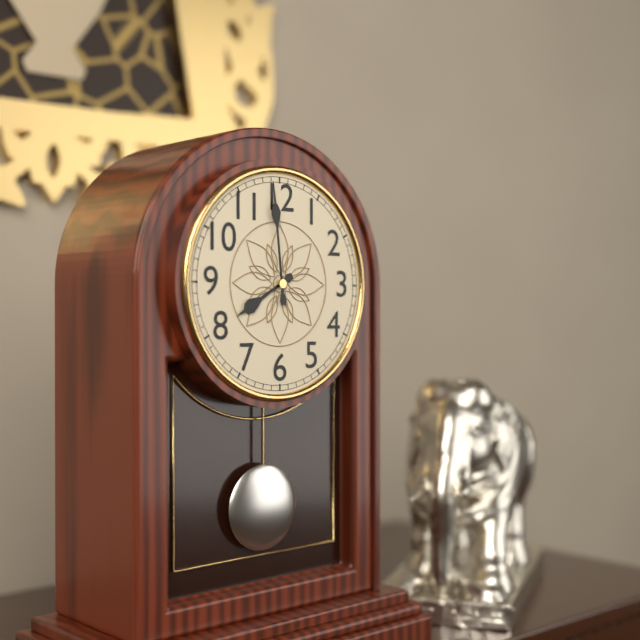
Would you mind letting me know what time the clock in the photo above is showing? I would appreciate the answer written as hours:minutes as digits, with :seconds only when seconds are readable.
7:59
